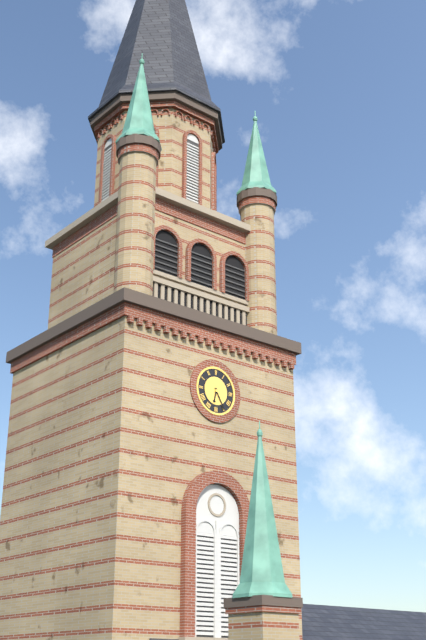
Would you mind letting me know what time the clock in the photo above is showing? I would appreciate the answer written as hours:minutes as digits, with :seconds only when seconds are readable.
6:25
